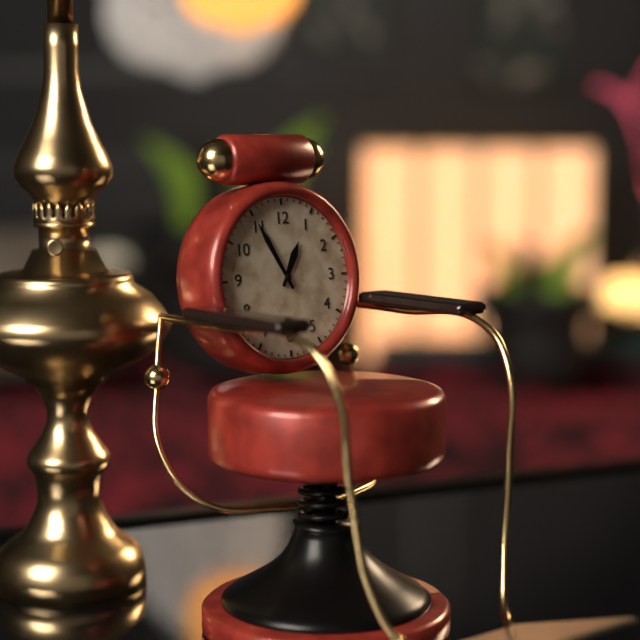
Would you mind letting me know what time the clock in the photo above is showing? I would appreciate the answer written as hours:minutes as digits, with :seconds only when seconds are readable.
12:55
